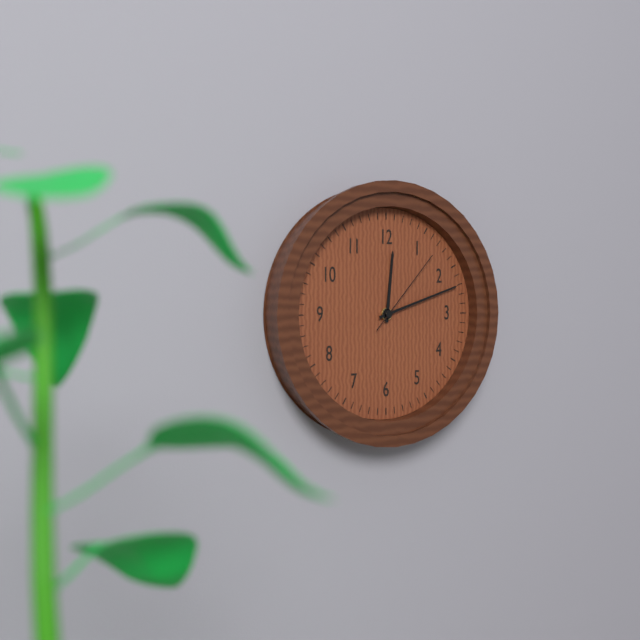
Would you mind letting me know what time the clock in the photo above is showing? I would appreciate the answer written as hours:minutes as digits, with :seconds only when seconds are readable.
12:12:07
